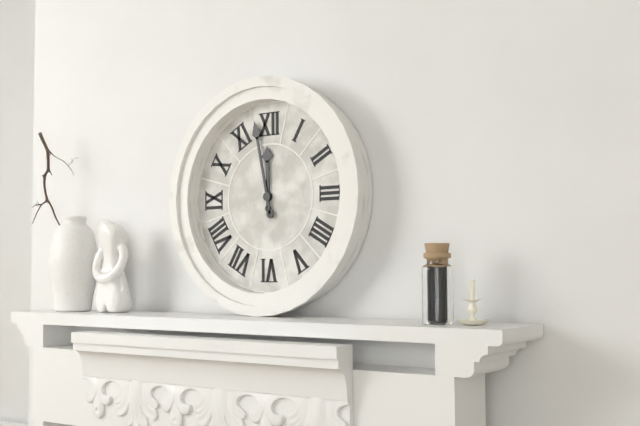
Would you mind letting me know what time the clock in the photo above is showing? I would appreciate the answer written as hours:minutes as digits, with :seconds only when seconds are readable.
11:58
